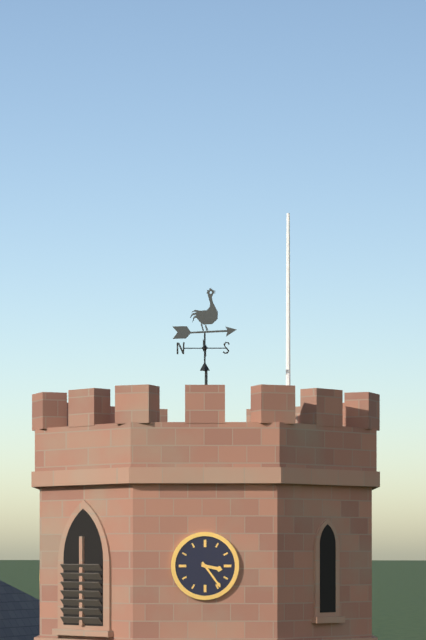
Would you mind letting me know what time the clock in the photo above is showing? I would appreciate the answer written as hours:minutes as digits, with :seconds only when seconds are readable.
3:24
